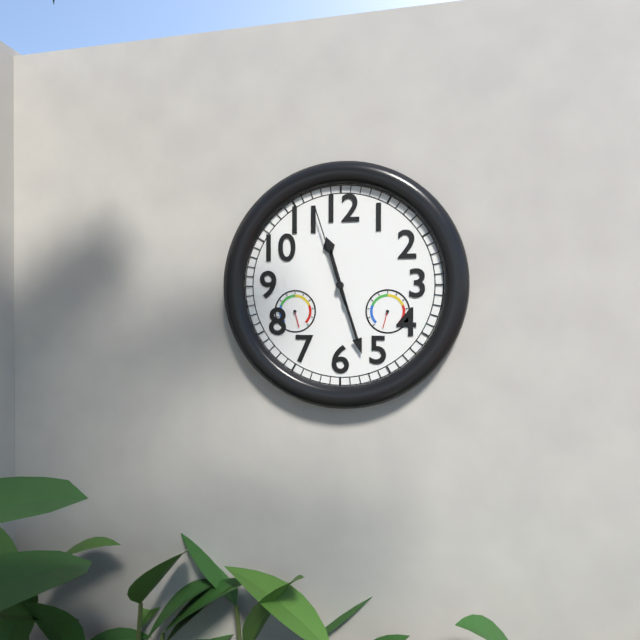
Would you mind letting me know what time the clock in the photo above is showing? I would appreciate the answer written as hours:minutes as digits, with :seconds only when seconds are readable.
11:27:57
